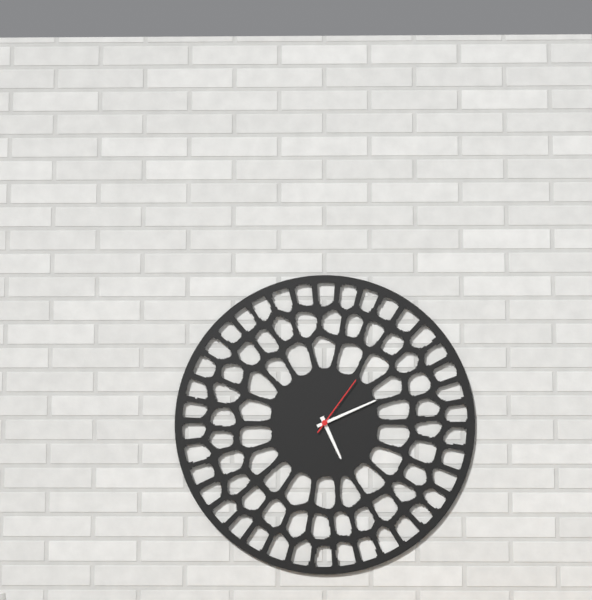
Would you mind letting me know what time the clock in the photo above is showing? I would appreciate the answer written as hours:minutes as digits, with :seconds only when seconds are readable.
5:11:06
